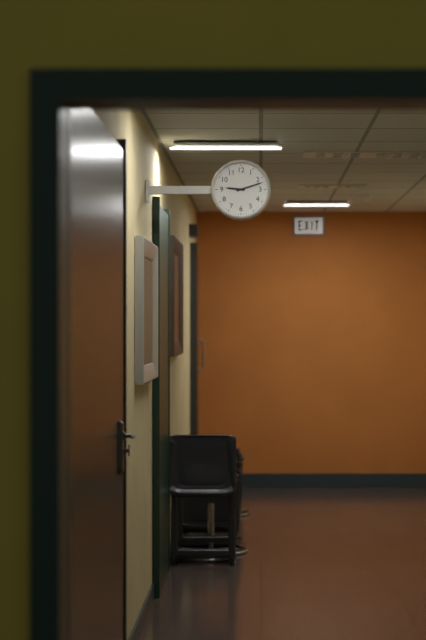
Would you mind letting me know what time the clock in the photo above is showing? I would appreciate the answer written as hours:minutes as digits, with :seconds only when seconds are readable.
9:12
